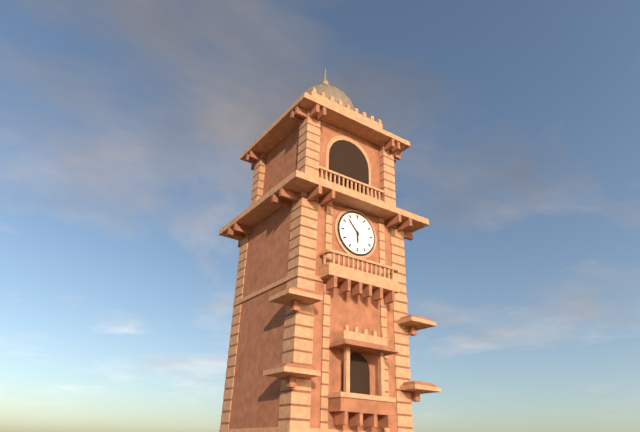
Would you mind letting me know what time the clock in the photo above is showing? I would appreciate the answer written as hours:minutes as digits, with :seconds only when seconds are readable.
5:53
